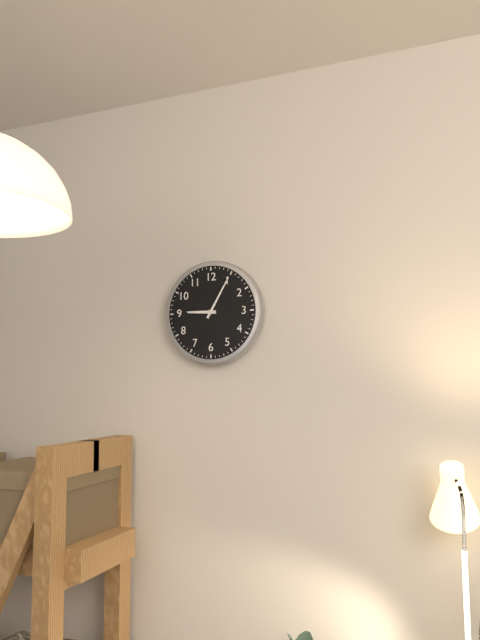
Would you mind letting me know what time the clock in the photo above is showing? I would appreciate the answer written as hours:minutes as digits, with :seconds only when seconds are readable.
9:05
